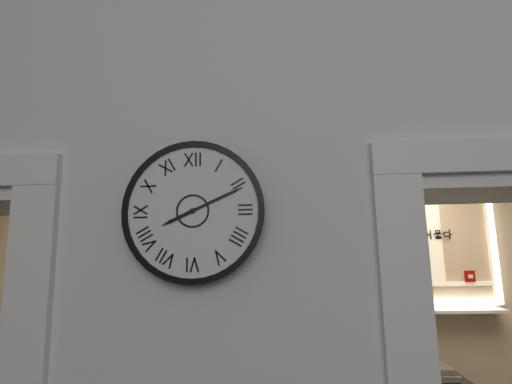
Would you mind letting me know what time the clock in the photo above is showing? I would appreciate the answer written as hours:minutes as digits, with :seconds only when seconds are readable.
8:11
